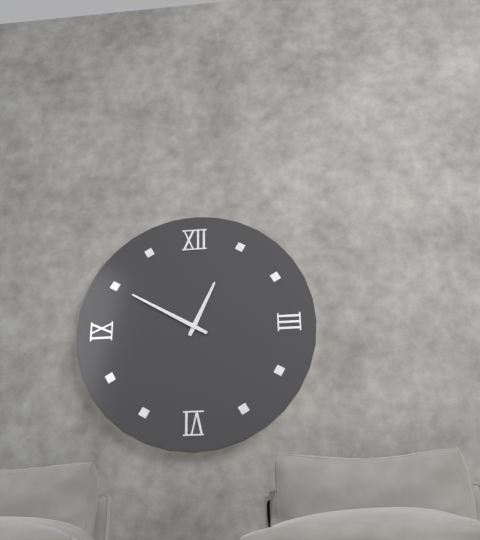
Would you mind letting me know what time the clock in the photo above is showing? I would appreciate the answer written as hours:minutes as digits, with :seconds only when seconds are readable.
12:50
